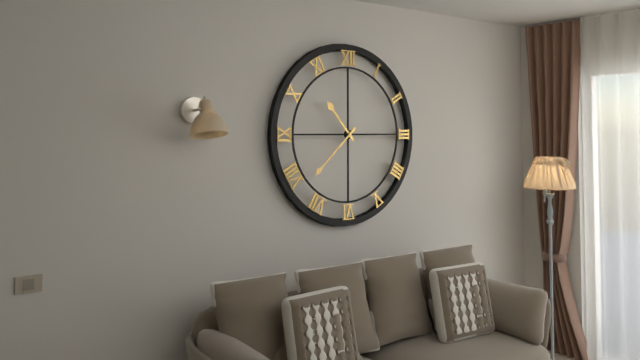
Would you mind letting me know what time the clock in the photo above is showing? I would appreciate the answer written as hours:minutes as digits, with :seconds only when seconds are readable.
10:38
